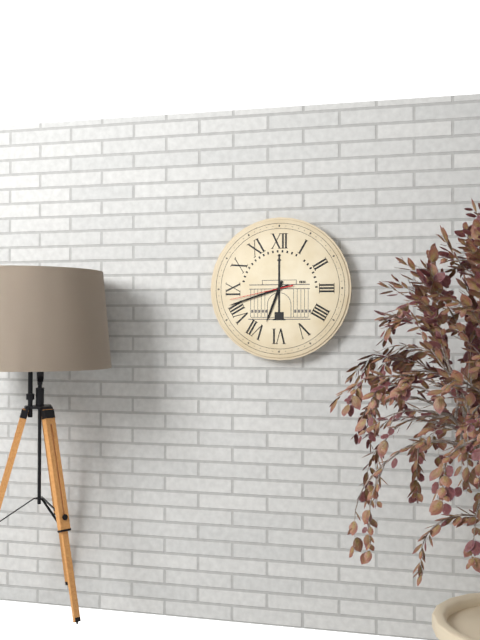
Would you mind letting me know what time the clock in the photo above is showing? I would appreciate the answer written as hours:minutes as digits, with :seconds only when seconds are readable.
6:42:43
